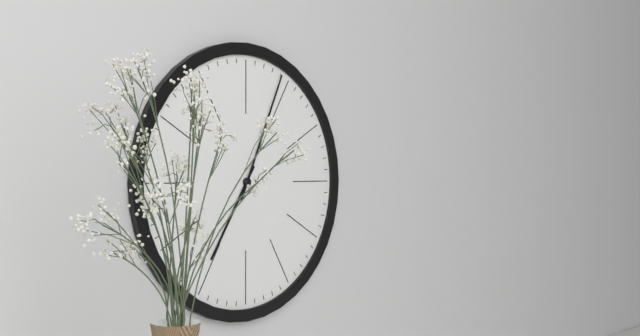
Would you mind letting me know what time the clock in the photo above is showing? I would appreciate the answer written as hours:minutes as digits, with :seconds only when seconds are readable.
7:04
